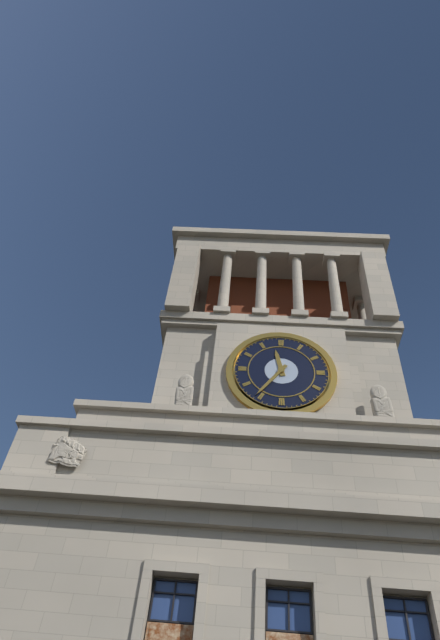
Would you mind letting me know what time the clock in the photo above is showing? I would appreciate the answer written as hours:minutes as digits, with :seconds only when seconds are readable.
11:36
